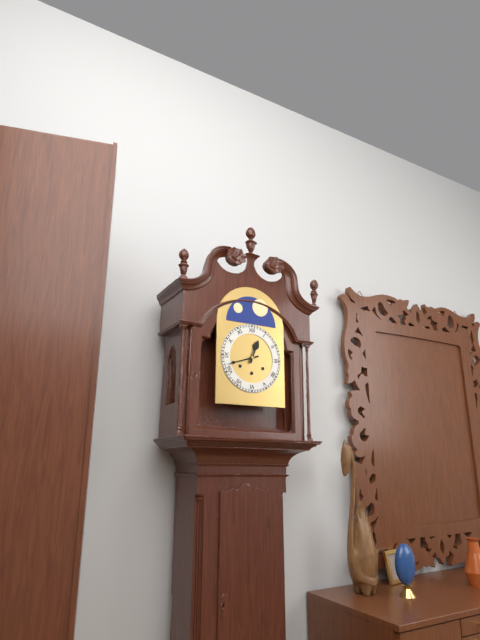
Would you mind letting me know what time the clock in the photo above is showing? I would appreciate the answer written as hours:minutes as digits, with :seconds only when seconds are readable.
12:42
